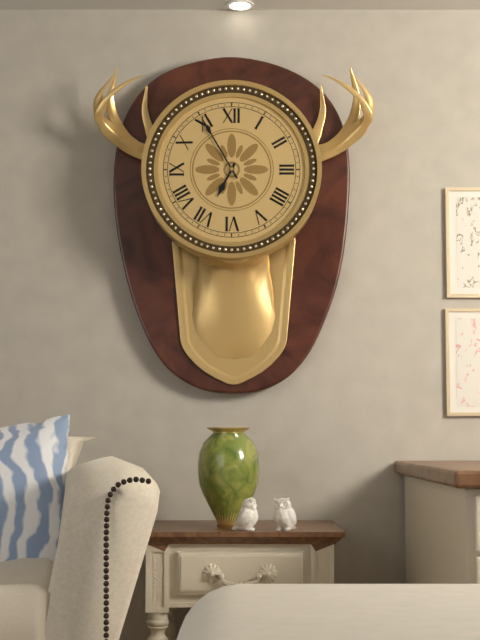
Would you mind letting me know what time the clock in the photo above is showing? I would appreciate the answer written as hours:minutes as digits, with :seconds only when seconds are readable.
6:55
